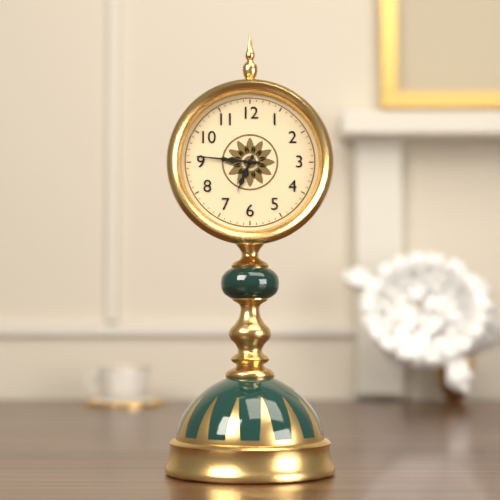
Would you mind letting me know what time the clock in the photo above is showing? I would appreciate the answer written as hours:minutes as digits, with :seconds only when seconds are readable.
6:46
